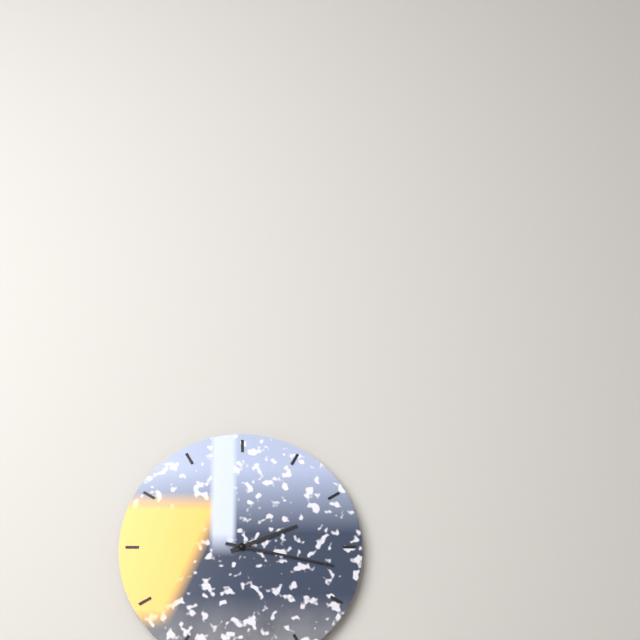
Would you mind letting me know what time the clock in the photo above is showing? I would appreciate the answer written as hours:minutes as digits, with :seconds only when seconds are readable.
2:17
